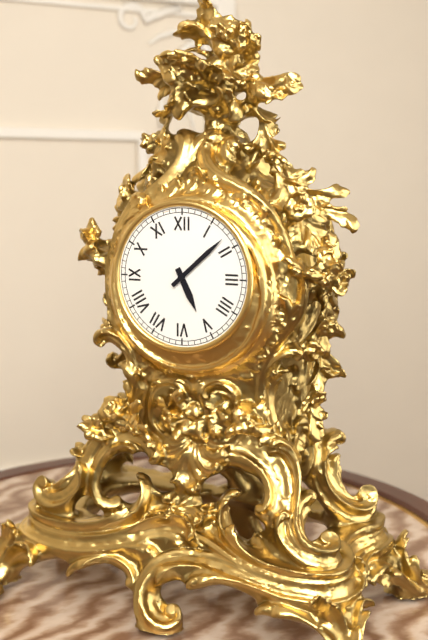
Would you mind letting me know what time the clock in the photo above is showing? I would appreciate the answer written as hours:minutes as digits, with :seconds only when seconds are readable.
5:08
